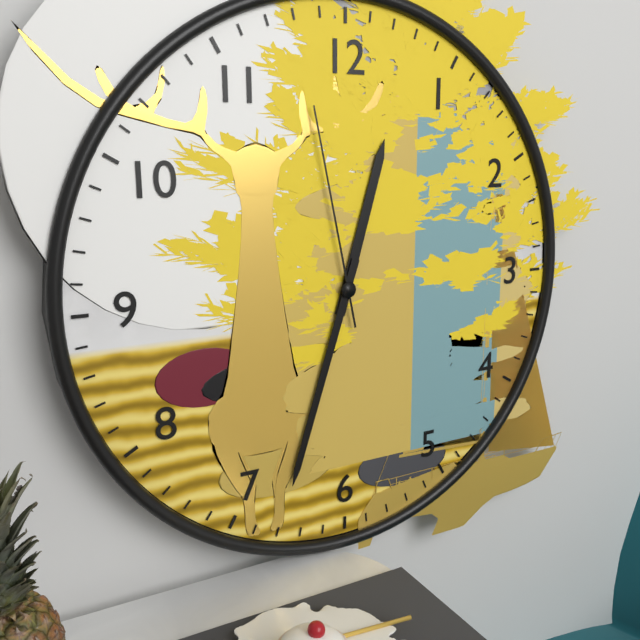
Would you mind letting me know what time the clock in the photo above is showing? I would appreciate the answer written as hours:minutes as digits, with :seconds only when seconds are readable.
12:33:58
